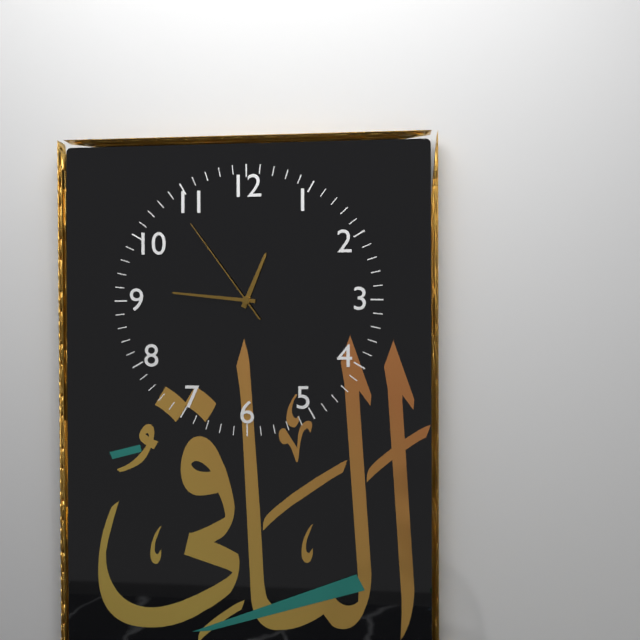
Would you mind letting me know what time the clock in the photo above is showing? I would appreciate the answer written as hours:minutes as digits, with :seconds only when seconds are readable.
12:46:54
